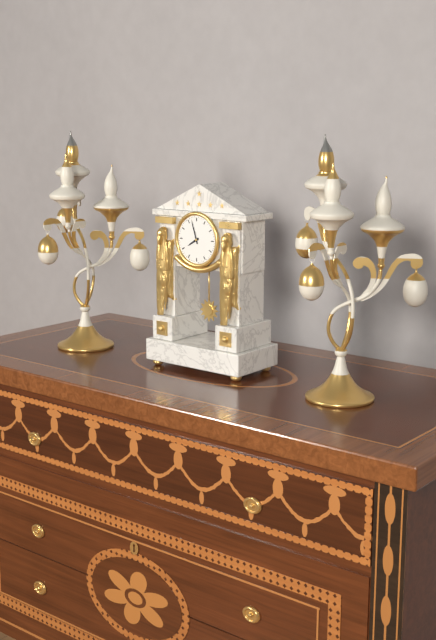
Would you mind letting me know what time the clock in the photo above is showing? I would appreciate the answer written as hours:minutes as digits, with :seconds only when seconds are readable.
7:57
